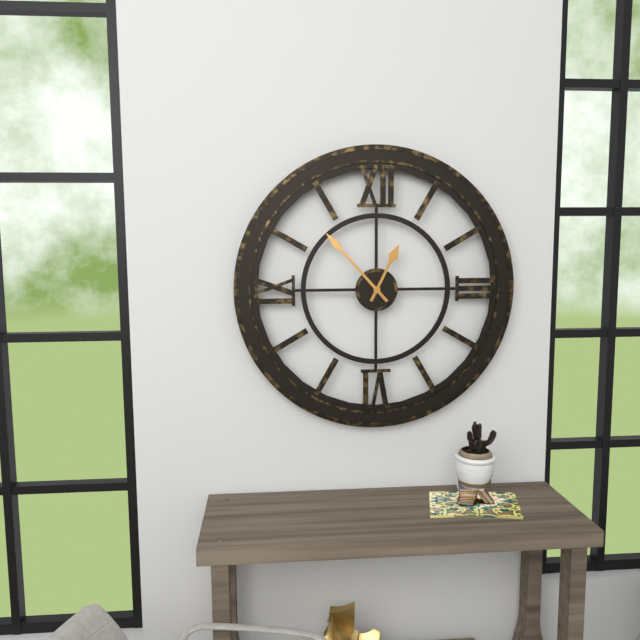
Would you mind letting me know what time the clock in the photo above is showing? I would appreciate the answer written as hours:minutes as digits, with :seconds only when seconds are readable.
12:53
